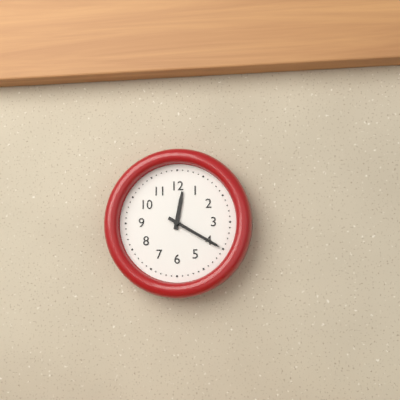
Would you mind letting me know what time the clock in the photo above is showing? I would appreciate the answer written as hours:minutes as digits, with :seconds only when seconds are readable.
12:20
